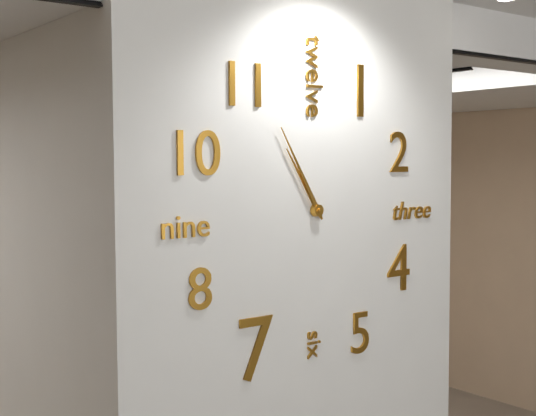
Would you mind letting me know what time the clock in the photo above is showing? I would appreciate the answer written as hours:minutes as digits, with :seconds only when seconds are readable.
10:55
